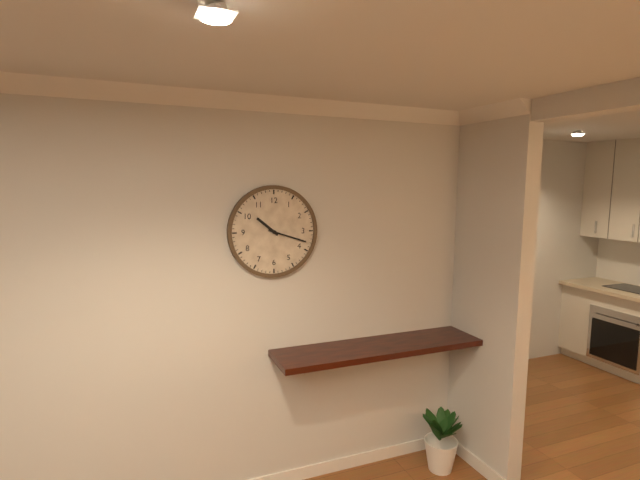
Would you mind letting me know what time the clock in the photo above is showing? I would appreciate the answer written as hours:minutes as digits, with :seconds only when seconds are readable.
10:18
